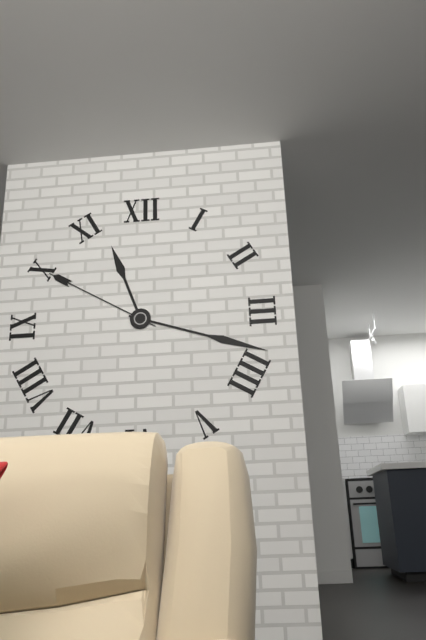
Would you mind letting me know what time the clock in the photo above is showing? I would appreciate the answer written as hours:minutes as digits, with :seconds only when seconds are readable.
11:18:50
